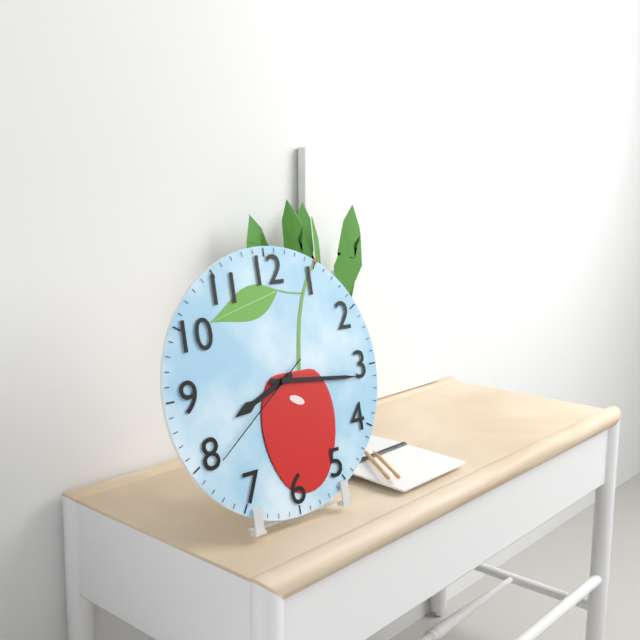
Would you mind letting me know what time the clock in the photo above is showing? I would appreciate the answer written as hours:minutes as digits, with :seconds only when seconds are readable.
8:16:39
